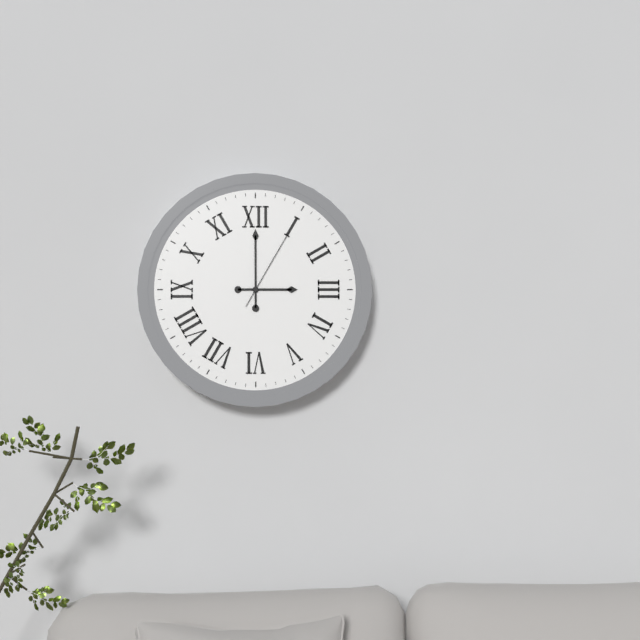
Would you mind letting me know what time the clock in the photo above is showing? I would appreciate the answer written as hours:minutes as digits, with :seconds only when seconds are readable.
3:00:05
